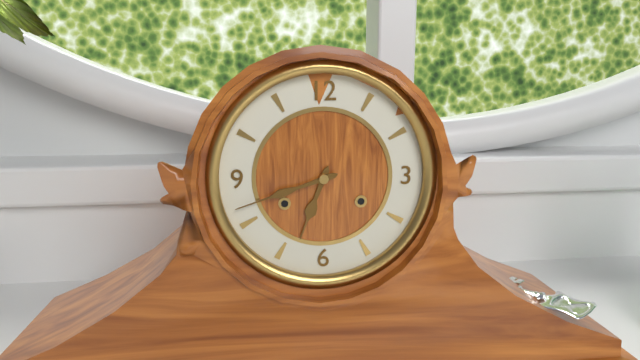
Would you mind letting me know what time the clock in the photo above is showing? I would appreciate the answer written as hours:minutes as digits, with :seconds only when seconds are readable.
6:42
